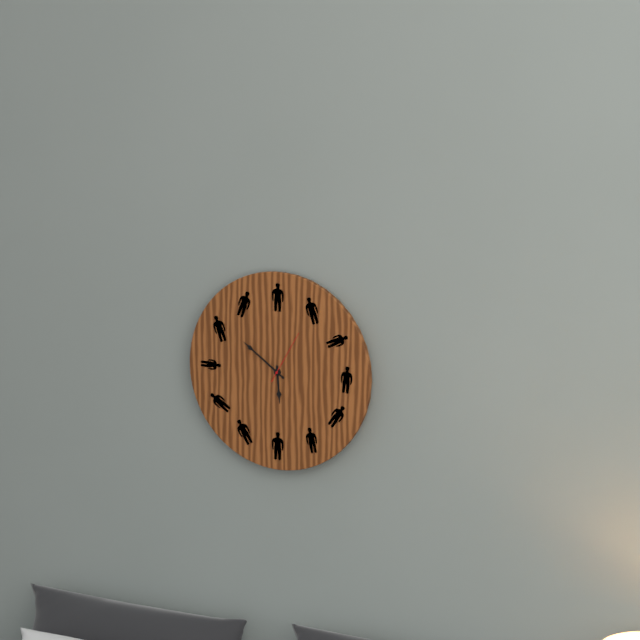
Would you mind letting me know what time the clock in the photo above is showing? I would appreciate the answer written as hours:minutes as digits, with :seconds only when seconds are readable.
5:51:05
